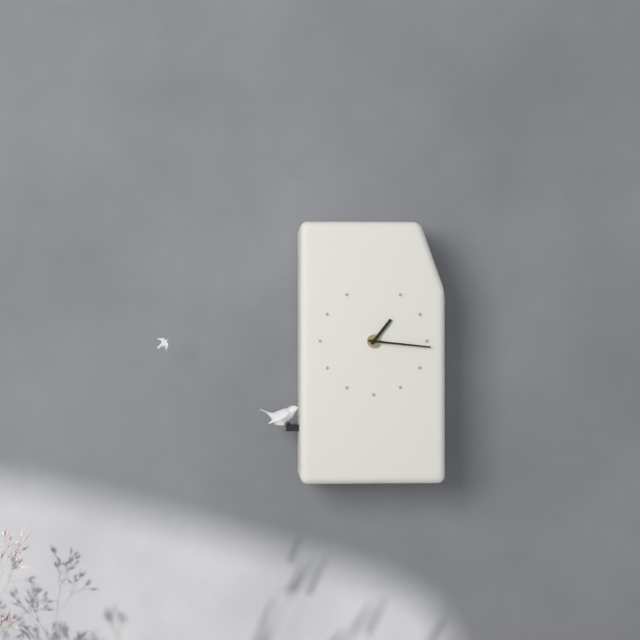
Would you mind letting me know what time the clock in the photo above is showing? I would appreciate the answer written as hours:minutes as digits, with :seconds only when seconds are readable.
1:16
